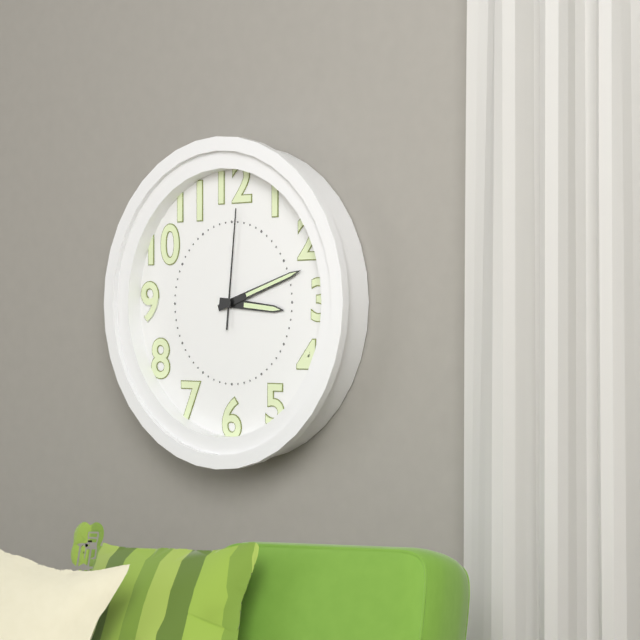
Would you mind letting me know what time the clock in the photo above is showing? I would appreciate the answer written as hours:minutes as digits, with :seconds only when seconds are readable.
3:12:01
